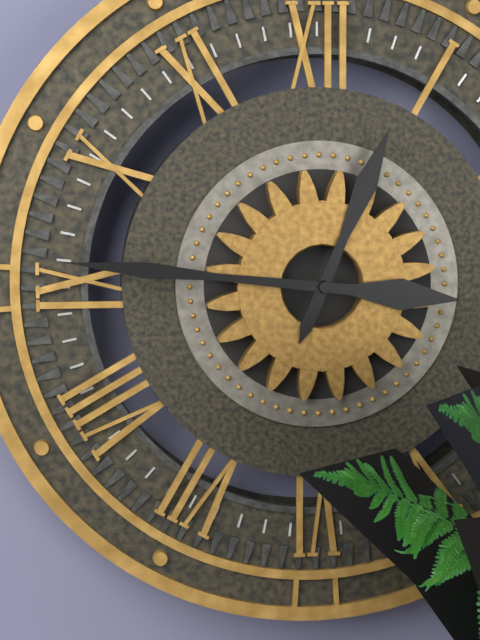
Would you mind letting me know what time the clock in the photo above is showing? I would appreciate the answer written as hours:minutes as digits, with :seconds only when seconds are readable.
12:46
